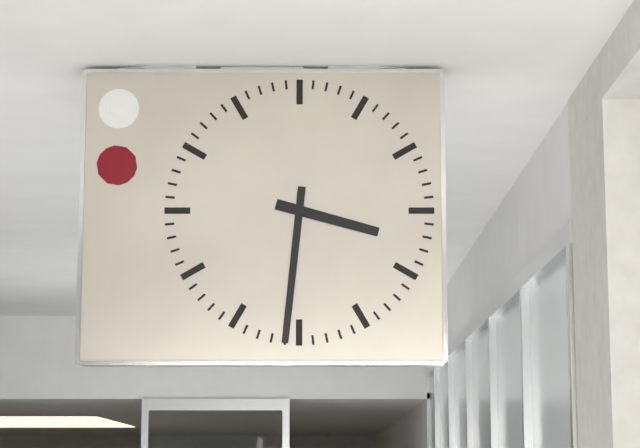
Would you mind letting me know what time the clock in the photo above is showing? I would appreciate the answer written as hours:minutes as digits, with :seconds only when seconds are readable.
3:31
